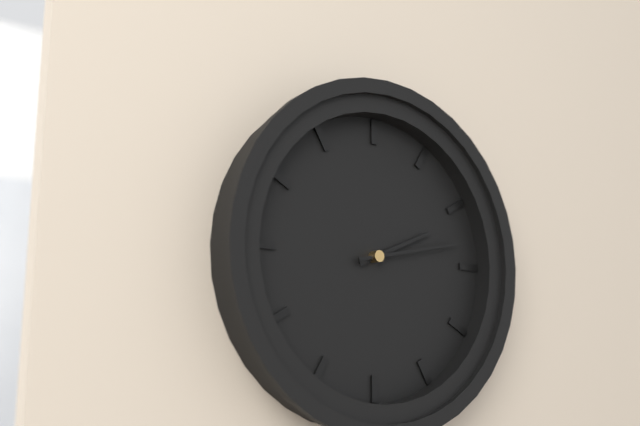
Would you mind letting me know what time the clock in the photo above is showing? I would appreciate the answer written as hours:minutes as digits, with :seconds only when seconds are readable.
2:13
